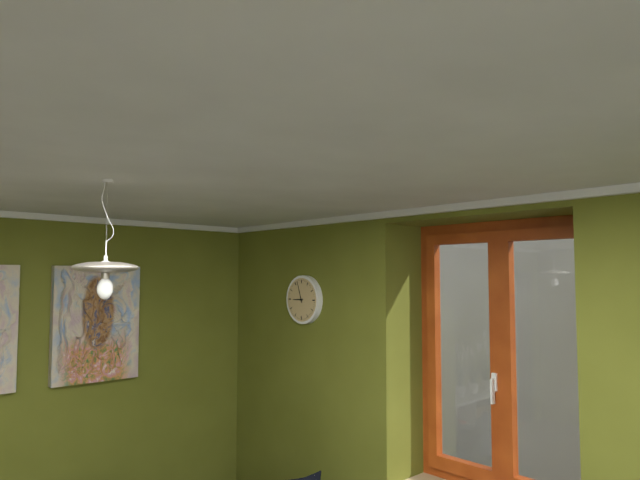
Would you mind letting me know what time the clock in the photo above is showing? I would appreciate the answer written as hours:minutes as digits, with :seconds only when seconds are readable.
8:57
